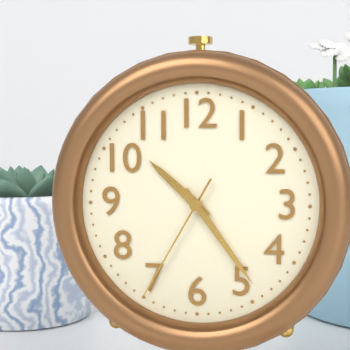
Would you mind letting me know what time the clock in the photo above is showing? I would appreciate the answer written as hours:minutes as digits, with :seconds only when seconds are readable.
10:24:35
